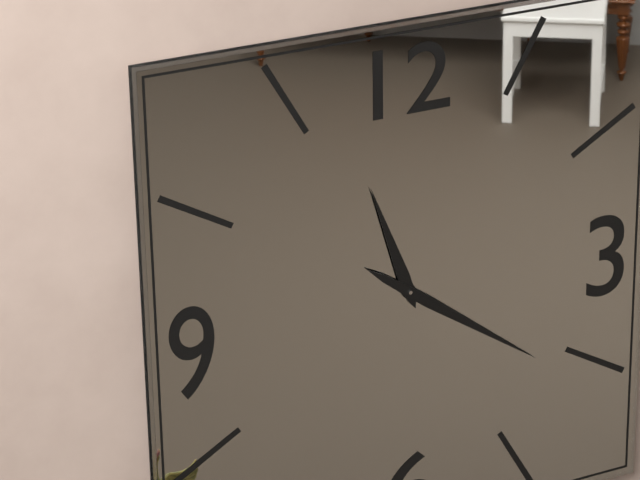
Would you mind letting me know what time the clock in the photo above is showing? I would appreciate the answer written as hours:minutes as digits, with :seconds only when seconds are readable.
11:21
